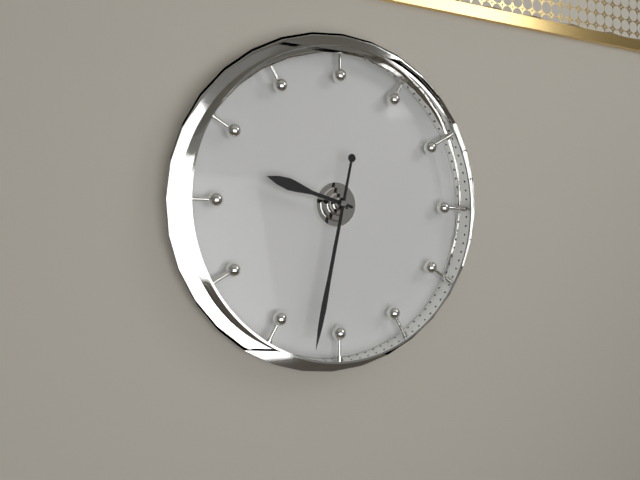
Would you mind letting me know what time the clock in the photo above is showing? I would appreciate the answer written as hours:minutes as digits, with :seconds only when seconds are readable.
9:32
